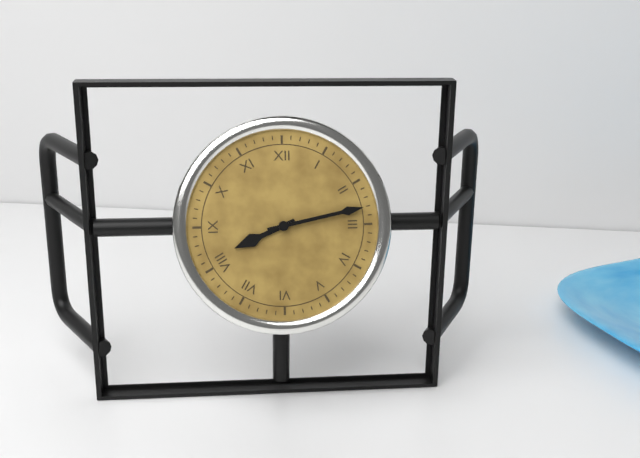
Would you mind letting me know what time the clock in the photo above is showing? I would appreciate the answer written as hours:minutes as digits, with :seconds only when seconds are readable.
8:13
